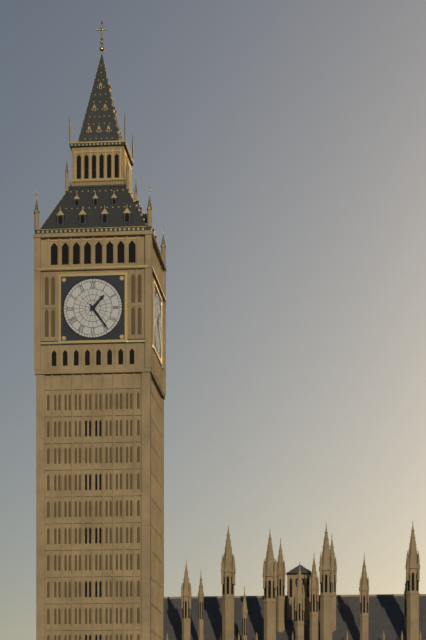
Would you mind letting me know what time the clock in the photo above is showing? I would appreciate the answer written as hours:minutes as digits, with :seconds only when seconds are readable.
1:24
